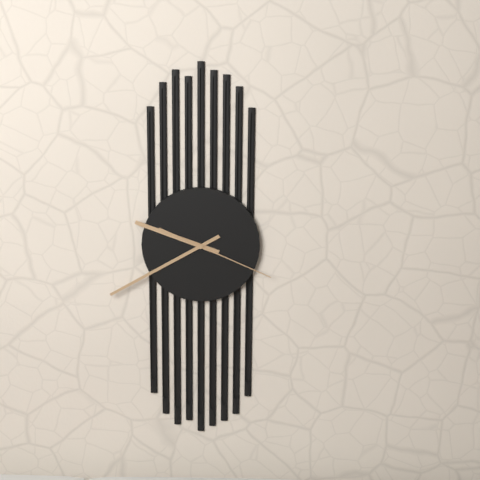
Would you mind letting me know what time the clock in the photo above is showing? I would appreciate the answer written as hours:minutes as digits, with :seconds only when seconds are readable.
9:40:19
